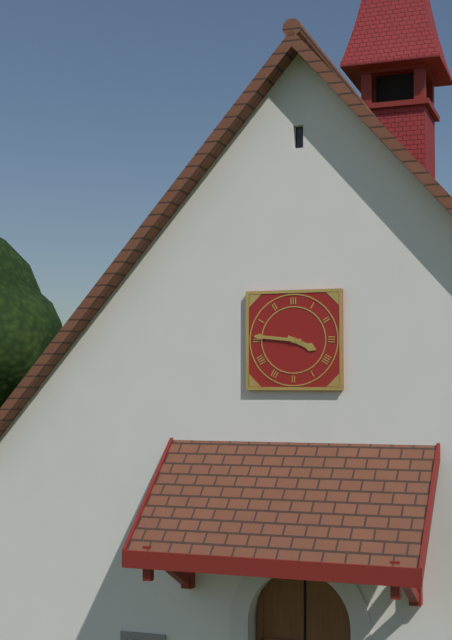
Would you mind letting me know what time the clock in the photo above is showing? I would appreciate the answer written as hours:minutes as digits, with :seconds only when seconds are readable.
3:46
